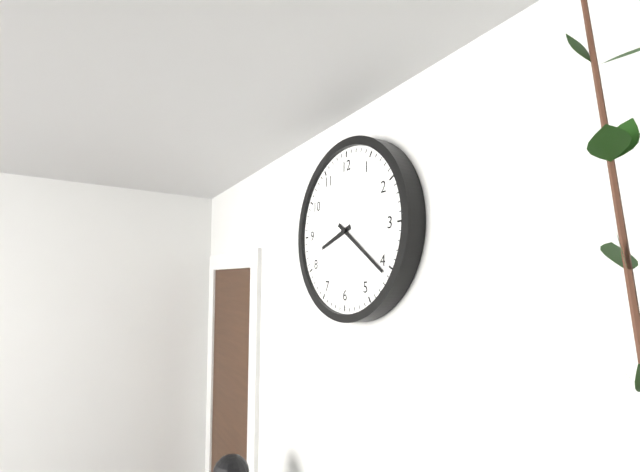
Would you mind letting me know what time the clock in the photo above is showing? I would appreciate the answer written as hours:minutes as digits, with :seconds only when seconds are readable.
8:21
